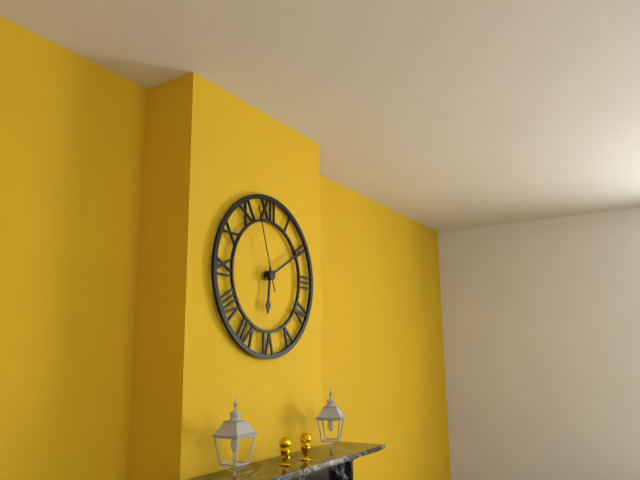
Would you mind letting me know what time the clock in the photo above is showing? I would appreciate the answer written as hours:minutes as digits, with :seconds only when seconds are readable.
6:10:57
